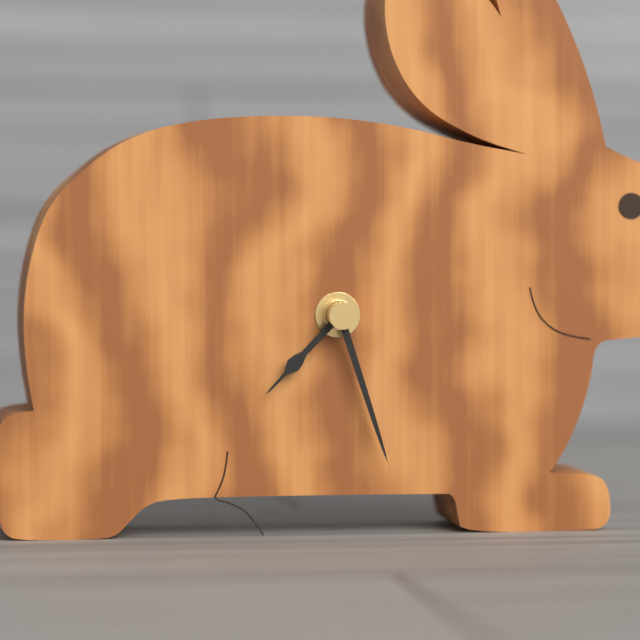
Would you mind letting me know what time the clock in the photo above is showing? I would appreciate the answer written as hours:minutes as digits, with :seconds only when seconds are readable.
7:27
